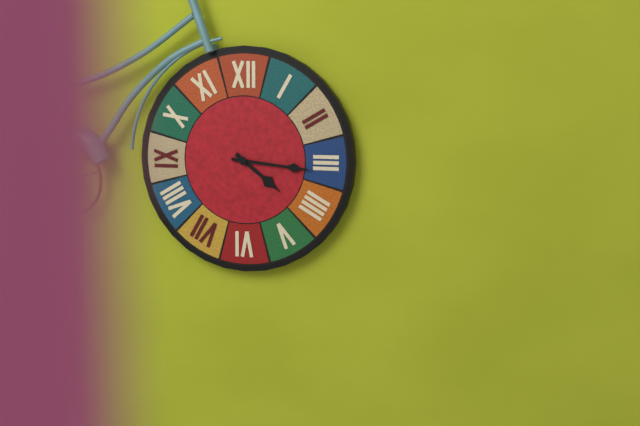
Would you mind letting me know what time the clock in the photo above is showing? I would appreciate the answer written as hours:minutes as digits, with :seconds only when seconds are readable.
4:16
